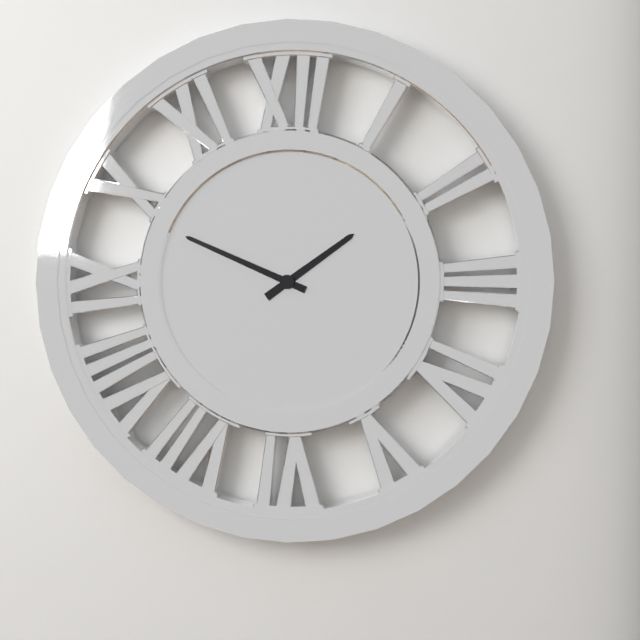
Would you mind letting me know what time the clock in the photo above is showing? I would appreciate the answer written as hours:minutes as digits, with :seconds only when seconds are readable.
1:49
